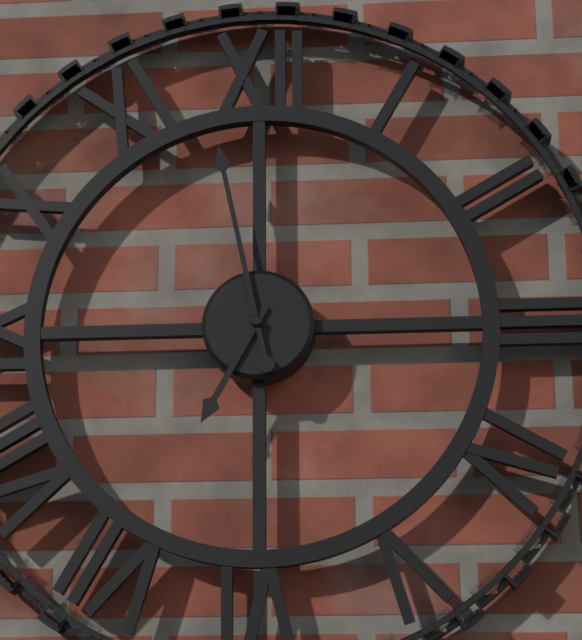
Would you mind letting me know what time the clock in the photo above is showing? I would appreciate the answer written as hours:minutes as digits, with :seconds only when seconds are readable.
6:58
